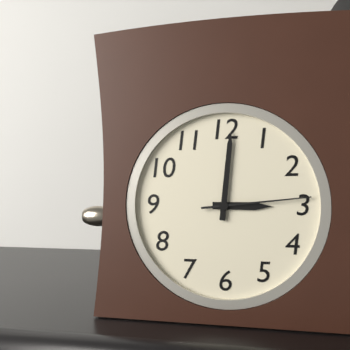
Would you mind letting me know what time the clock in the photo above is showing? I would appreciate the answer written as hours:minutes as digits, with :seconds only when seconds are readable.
3:01:14
